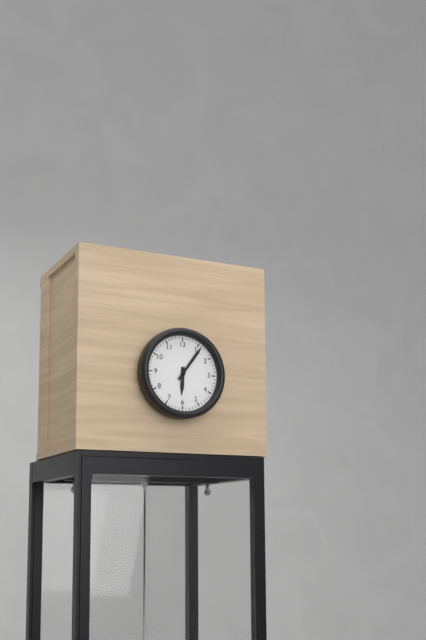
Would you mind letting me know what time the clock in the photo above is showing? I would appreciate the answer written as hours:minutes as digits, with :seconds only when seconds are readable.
6:06
